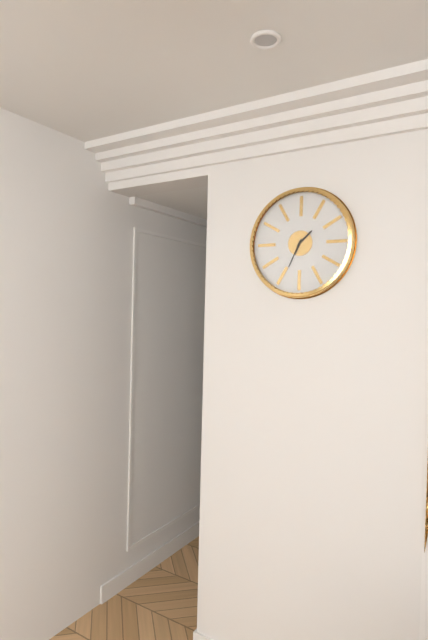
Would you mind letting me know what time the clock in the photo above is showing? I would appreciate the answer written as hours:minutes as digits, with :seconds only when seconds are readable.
1:34
